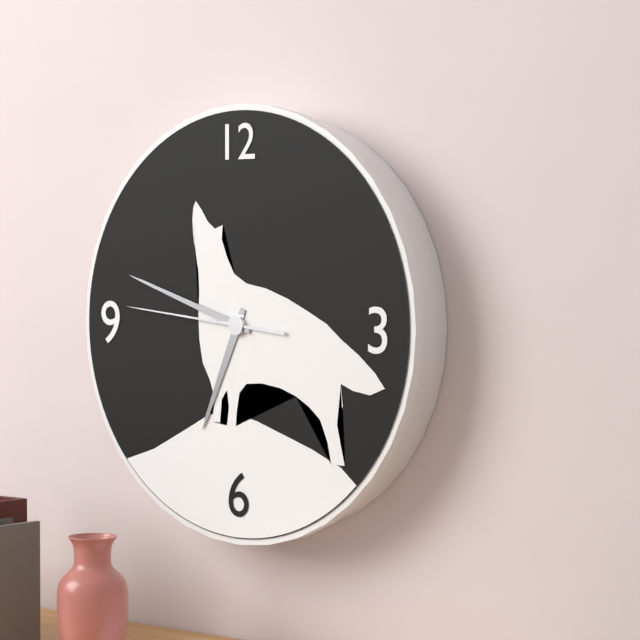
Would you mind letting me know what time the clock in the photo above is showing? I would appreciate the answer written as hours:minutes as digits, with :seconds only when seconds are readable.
6:48:46
